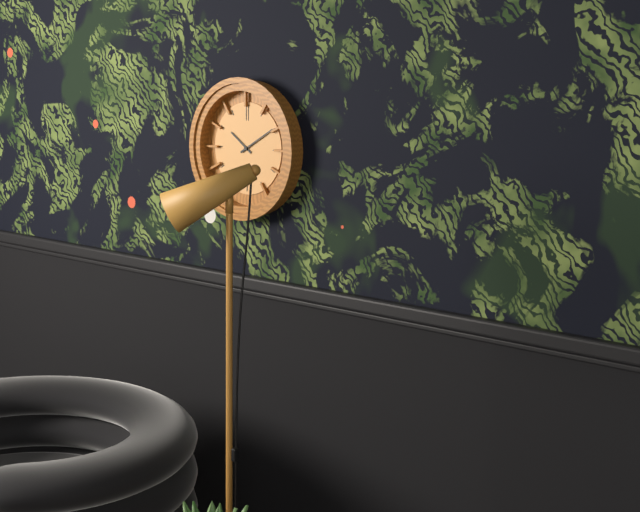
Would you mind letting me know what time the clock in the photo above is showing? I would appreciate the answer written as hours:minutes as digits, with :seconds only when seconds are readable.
10:10
